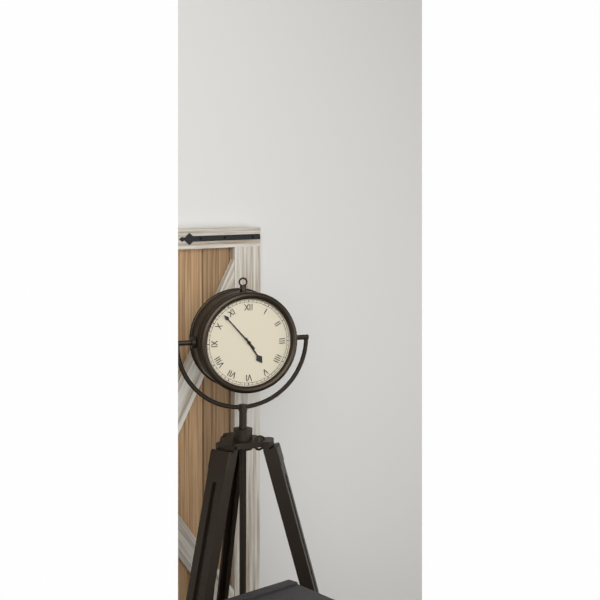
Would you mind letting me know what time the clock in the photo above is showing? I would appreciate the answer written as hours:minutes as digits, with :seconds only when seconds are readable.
4:53
